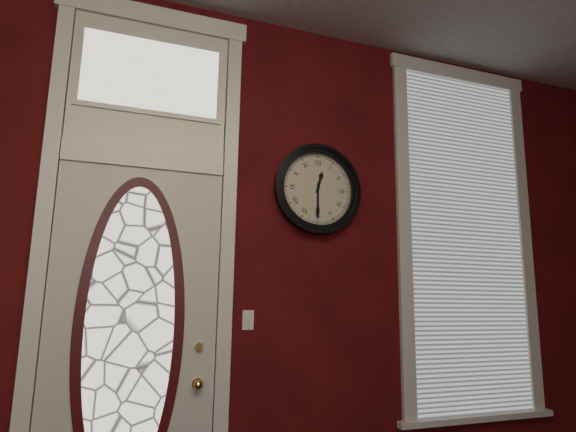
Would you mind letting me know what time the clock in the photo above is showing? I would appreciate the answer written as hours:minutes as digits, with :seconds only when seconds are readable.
12:30
